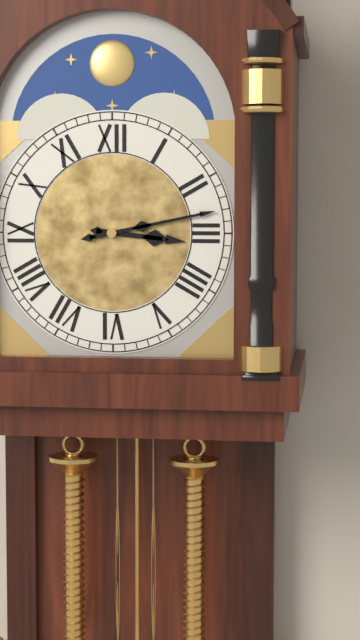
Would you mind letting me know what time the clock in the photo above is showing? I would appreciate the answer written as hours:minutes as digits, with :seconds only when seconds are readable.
3:13
